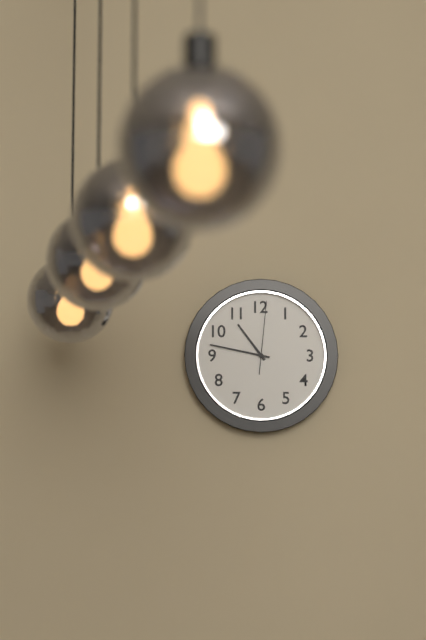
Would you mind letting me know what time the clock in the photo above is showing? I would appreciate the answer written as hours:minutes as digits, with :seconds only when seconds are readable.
10:47:01
